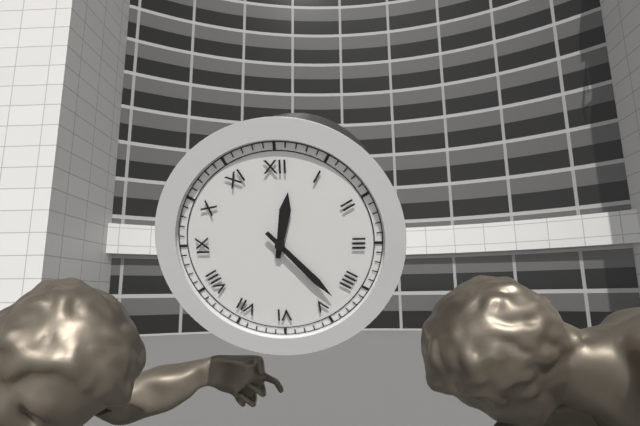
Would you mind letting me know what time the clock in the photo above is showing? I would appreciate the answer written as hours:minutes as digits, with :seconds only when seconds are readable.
12:23
